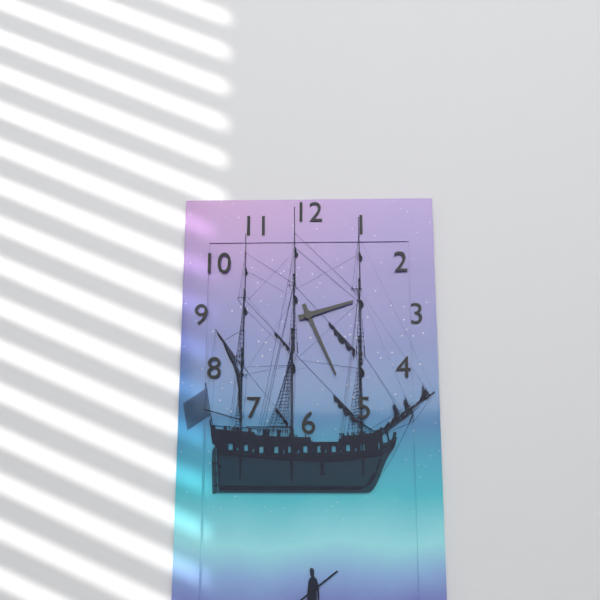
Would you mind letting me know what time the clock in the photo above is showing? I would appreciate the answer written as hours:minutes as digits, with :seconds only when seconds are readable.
2:26
